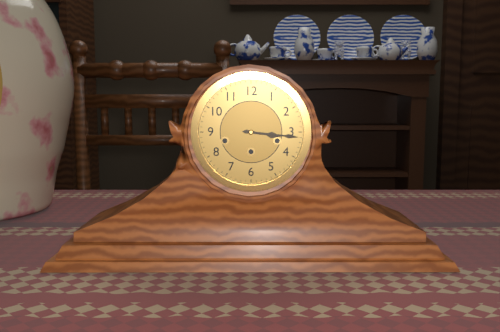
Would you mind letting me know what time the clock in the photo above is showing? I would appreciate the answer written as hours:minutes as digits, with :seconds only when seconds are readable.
3:16
